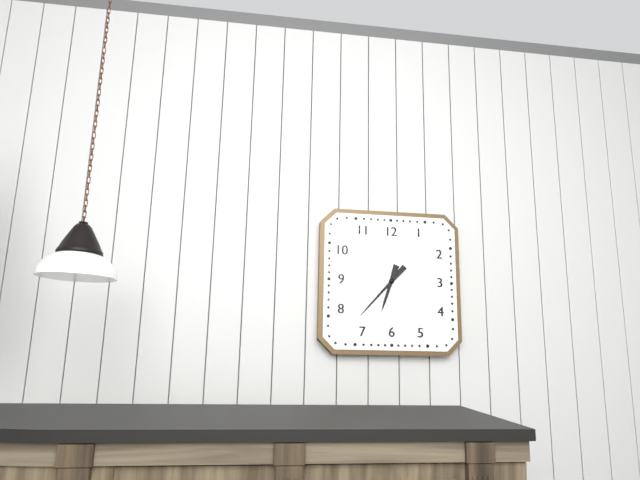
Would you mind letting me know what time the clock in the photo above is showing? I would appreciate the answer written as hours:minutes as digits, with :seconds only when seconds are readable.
6:37
